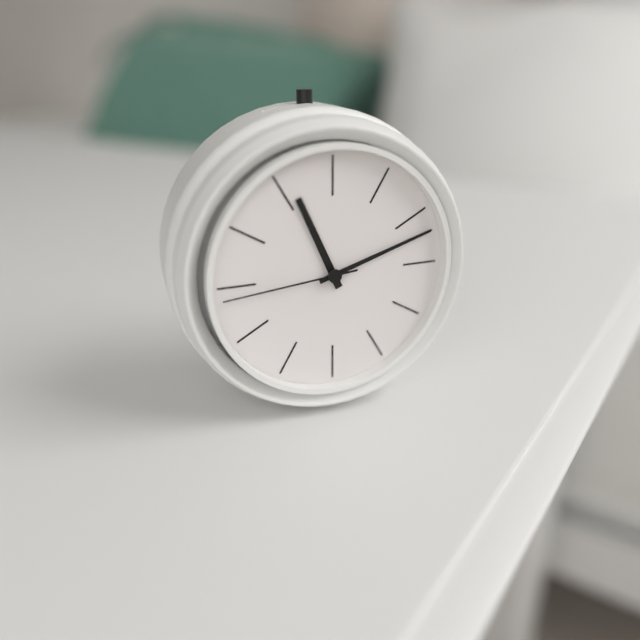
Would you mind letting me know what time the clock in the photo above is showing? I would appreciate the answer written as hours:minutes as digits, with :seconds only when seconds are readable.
11:12:44
